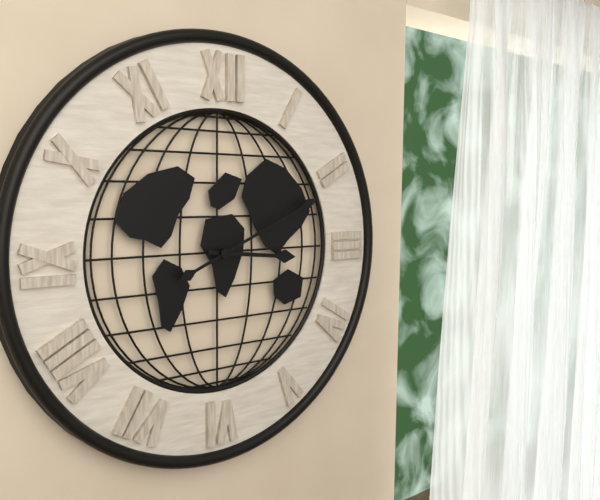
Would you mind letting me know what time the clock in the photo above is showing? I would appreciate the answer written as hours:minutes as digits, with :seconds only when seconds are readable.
3:11
